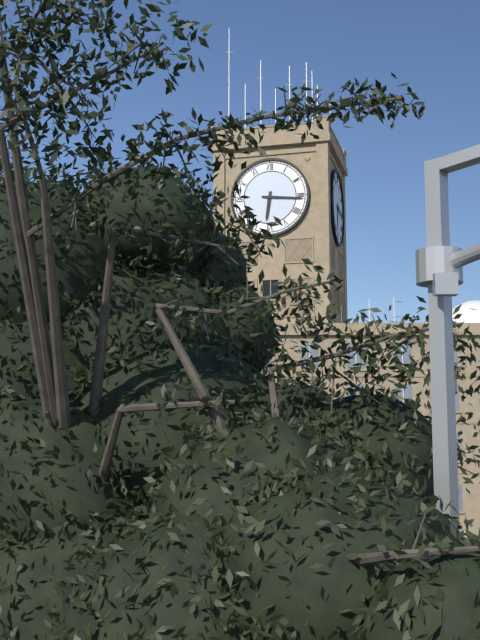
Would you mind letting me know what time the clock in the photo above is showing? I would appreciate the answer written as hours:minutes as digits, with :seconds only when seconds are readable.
6:16
